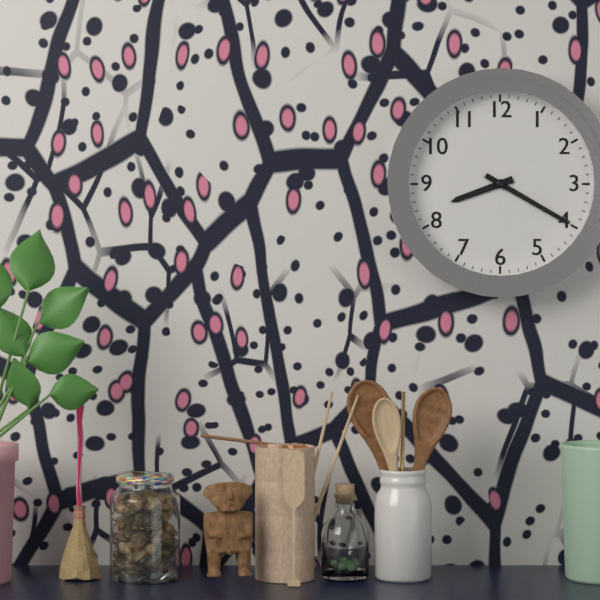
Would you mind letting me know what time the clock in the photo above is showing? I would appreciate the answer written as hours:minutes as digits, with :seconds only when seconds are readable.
8:20
